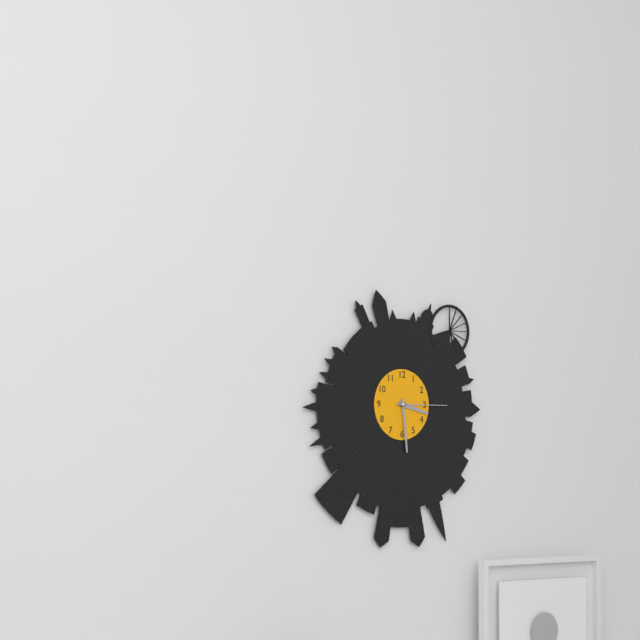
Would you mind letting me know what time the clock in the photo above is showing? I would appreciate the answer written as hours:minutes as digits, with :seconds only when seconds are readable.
3:29:15
